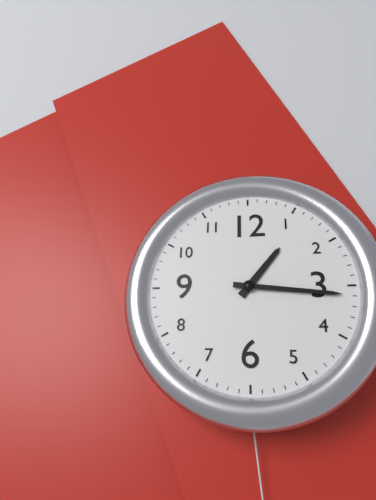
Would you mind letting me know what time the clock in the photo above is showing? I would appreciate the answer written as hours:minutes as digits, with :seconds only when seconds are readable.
1:16
